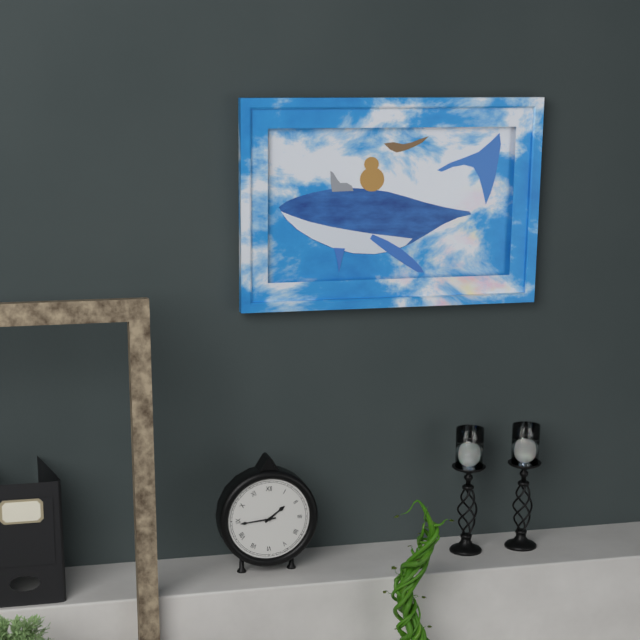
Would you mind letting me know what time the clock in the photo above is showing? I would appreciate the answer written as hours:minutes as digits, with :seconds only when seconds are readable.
1:44
